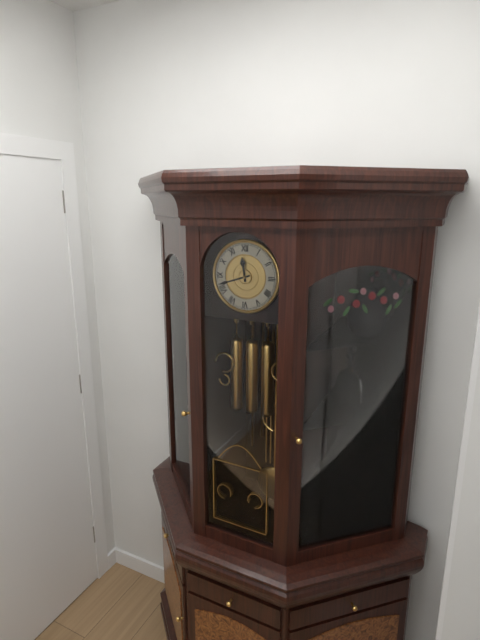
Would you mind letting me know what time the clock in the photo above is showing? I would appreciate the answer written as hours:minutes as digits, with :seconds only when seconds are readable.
11:42
